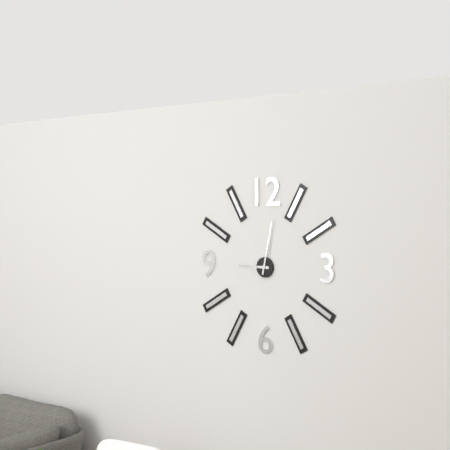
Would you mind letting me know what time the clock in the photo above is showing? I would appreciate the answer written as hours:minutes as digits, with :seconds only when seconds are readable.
9:02
